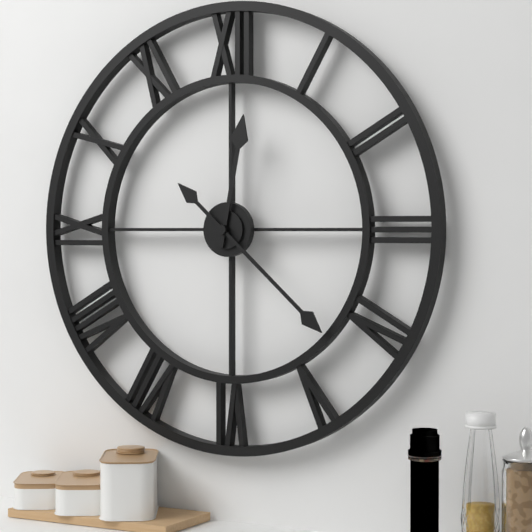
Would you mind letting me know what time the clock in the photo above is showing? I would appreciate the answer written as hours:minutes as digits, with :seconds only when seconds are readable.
12:22
